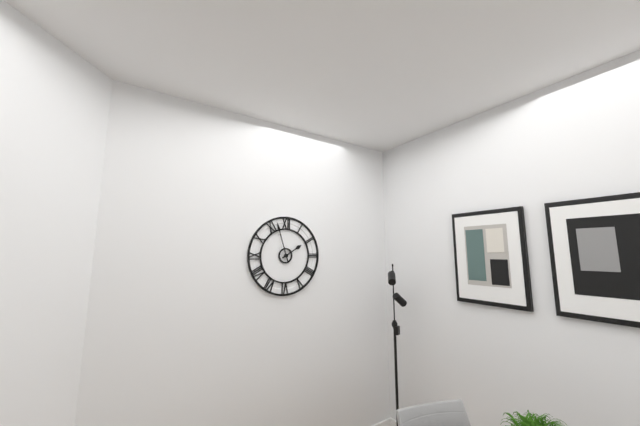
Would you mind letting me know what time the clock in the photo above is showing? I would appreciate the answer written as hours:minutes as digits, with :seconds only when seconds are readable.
1:57
